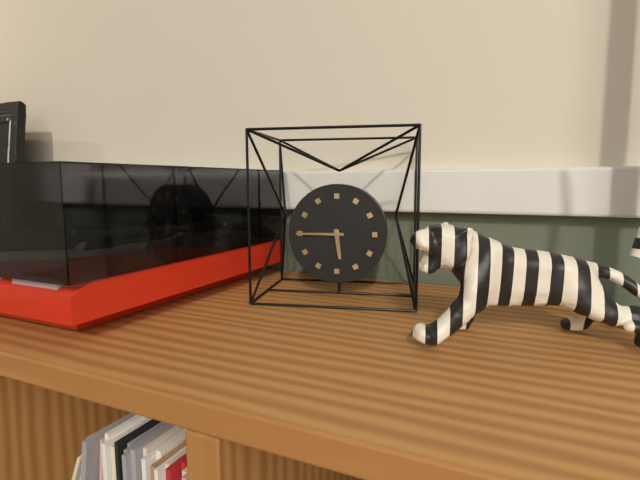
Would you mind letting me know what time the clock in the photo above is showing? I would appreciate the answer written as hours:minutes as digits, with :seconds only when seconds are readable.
5:45
